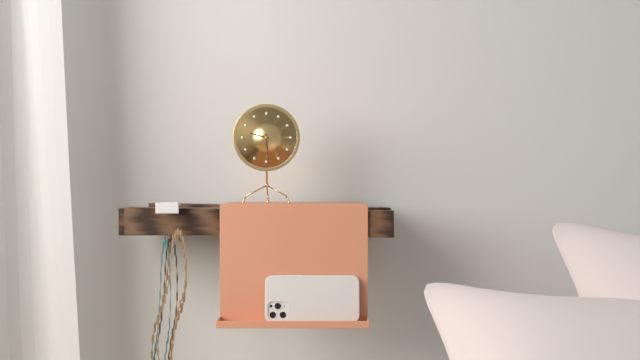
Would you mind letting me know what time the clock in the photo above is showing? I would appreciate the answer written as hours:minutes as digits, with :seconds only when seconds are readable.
9:29
